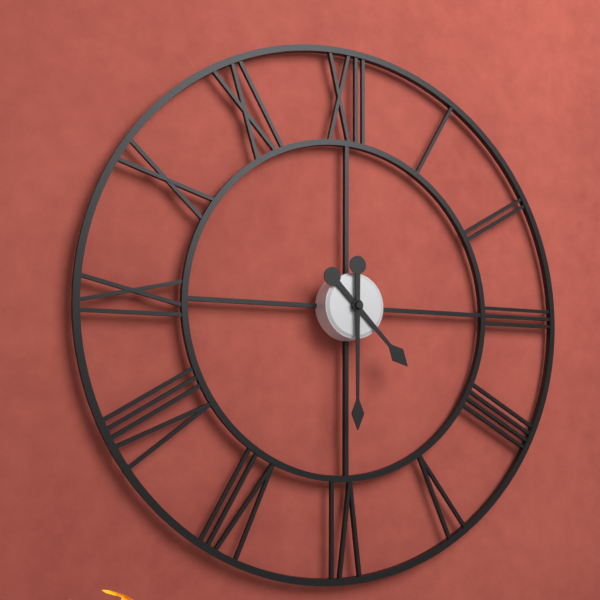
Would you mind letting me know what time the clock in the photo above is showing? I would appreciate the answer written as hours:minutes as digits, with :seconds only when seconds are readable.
4:30
